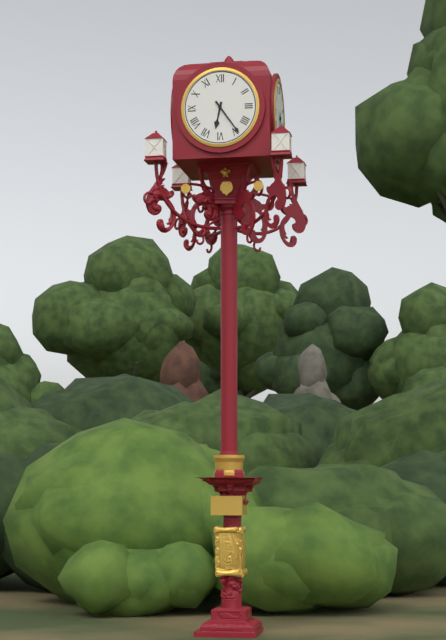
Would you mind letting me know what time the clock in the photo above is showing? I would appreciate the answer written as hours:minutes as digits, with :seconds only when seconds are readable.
6:24
